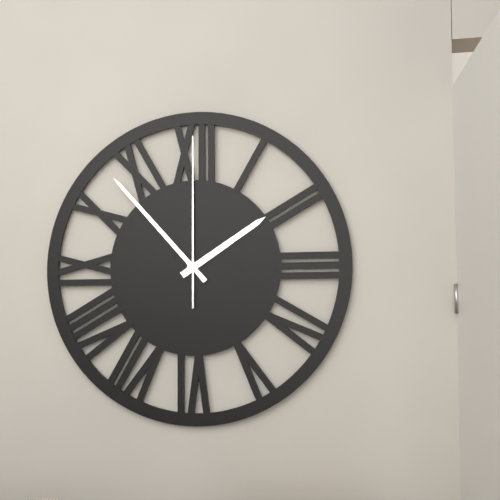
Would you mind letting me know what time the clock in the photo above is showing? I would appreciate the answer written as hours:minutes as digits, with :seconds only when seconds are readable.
1:53:00
